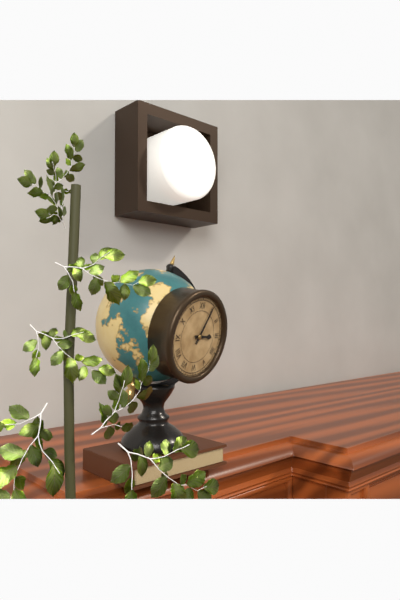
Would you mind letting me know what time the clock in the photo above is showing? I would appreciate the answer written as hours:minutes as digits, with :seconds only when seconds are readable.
3:05
